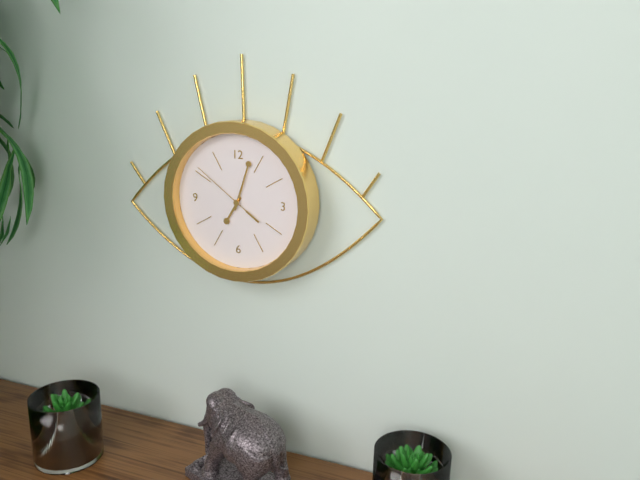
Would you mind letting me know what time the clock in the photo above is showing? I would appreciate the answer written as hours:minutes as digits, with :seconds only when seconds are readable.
7:03:51
